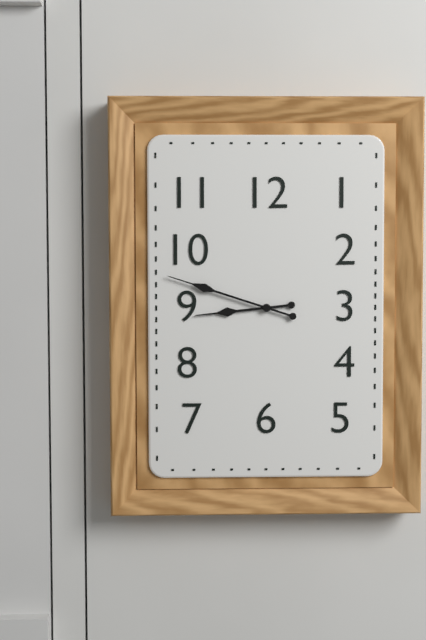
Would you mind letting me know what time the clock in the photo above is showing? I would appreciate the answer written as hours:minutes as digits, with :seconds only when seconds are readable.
8:48
